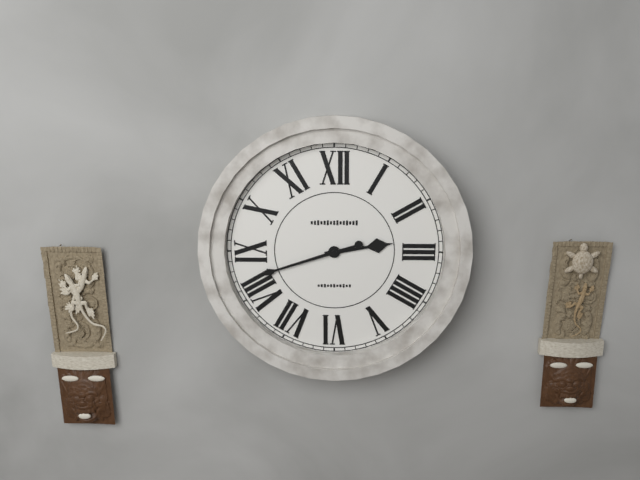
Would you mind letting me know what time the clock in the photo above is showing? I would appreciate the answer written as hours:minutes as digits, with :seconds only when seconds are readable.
2:42
